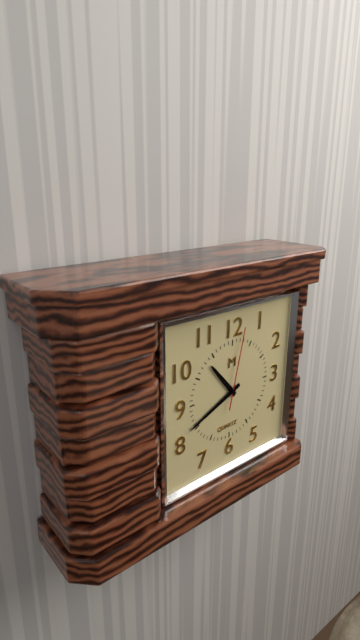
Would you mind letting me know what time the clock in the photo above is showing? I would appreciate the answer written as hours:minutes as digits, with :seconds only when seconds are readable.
10:41:02
